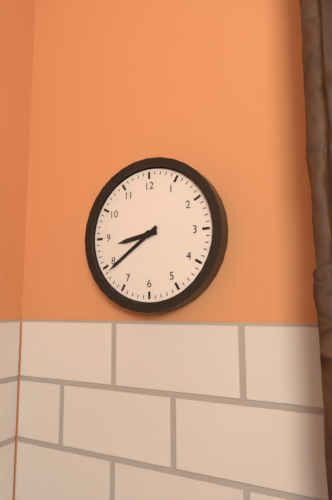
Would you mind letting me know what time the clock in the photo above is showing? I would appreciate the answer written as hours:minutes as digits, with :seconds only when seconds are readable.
8:39
